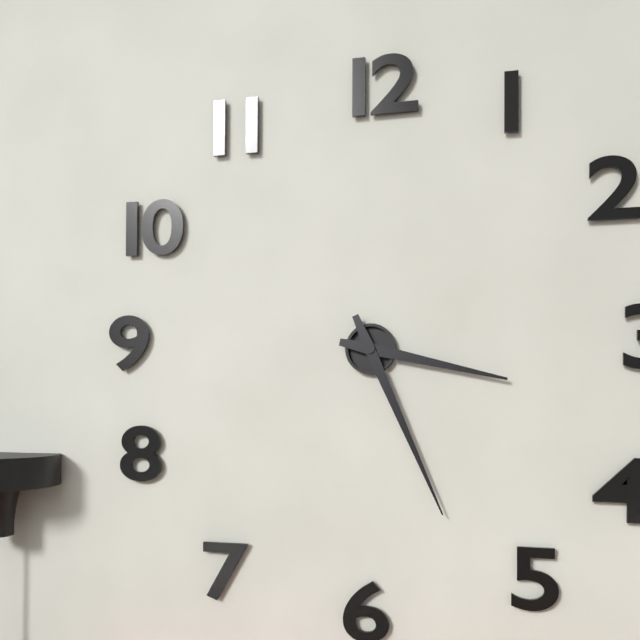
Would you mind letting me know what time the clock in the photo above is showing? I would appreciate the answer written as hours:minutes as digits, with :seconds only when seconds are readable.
3:26
